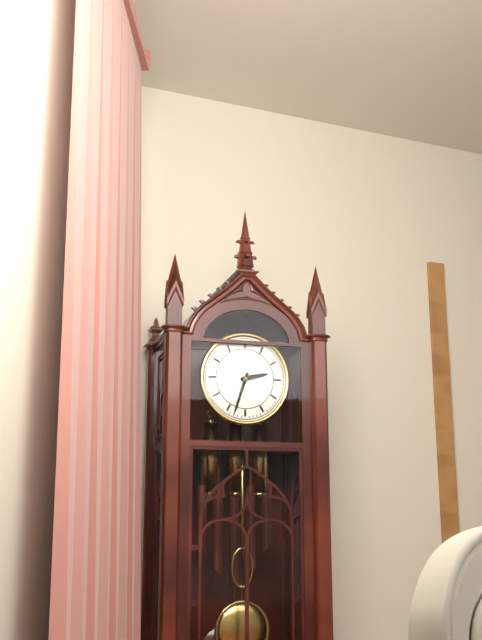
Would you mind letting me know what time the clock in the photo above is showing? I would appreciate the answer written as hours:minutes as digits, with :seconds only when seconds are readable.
2:33
